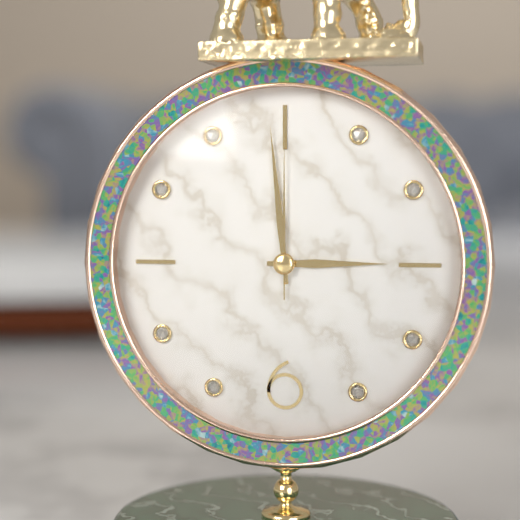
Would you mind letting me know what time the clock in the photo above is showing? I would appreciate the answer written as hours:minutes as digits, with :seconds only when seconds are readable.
2:59:00
